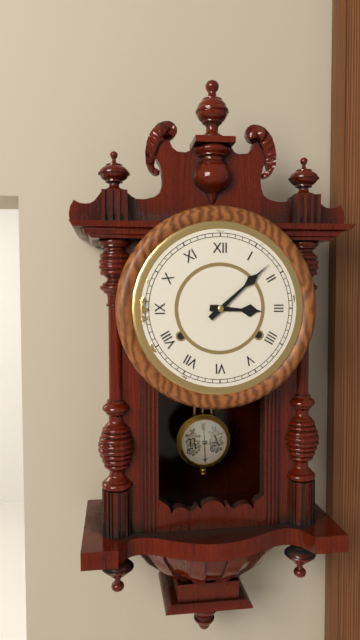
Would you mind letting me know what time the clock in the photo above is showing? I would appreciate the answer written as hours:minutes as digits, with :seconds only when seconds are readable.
3:08
